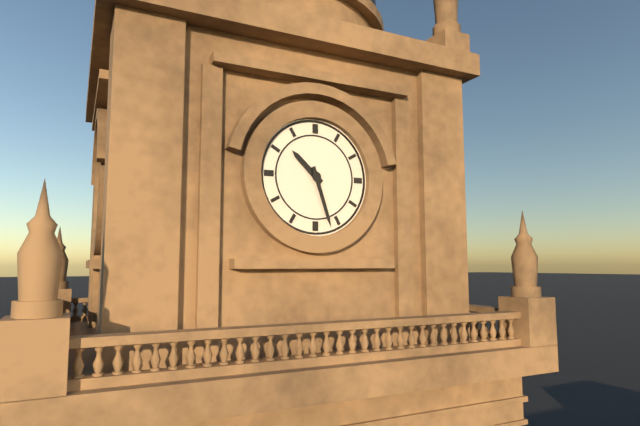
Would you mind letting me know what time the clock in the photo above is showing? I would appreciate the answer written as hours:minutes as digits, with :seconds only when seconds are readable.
10:27
